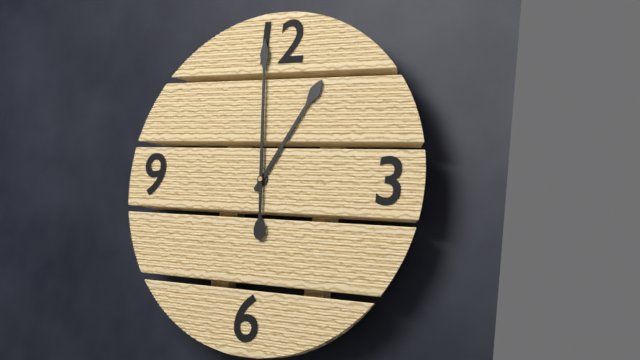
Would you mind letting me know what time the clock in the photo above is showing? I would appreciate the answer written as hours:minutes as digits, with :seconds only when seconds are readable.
12:59
